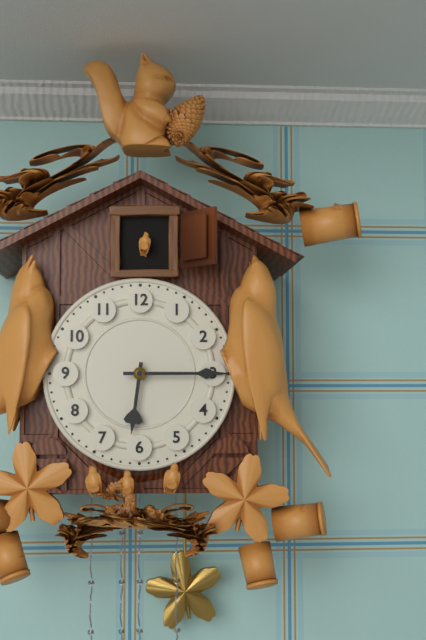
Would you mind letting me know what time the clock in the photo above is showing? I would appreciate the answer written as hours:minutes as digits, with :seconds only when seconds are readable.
6:15
